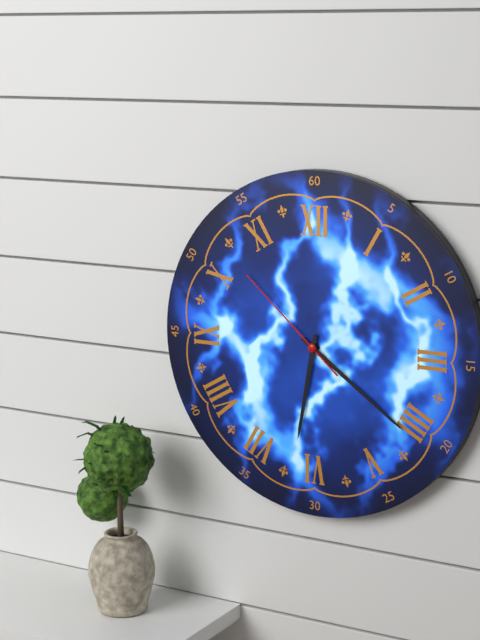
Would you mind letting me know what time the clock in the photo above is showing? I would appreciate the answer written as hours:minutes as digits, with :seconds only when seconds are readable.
6:21:52
